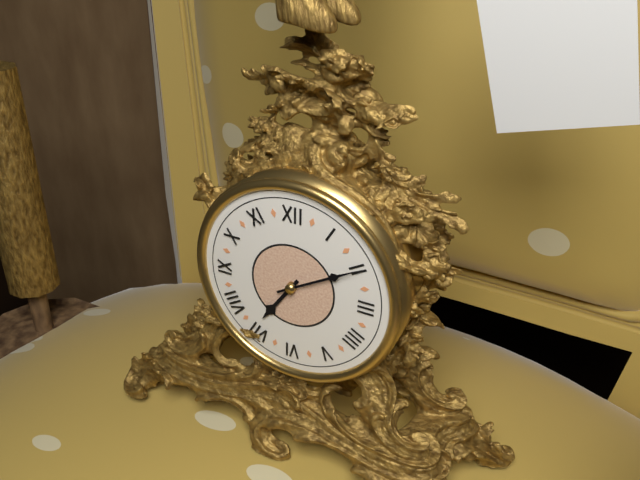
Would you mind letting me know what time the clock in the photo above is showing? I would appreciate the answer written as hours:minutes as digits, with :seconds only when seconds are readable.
7:10
